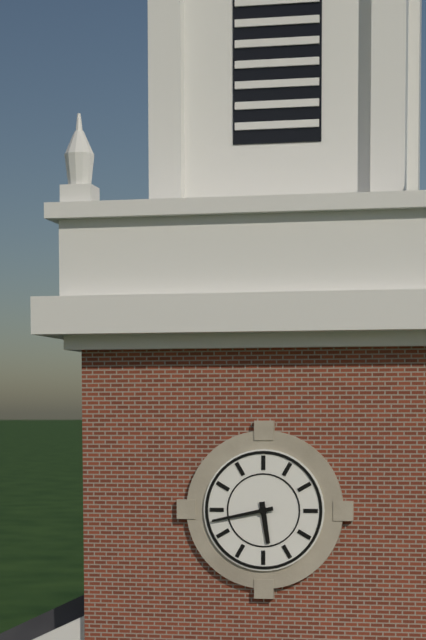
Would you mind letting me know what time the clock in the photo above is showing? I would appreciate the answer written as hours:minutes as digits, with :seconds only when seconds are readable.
5:43
